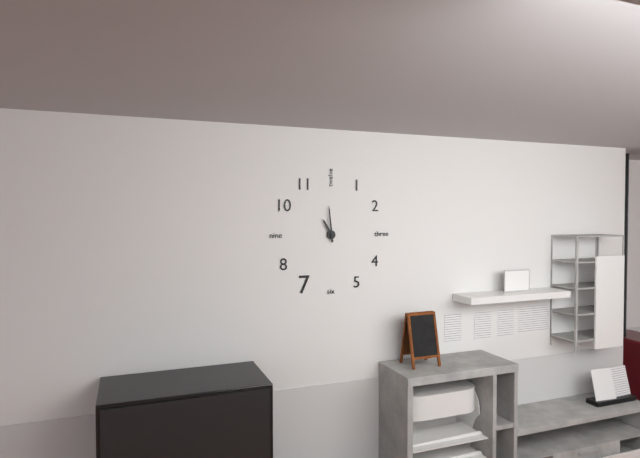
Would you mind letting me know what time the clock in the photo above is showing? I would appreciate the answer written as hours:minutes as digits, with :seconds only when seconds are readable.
10:59
